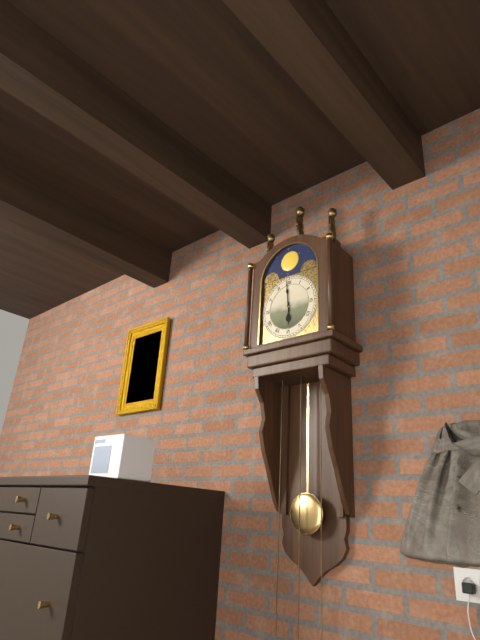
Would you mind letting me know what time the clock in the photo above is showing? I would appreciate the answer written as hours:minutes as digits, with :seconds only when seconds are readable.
5:59
